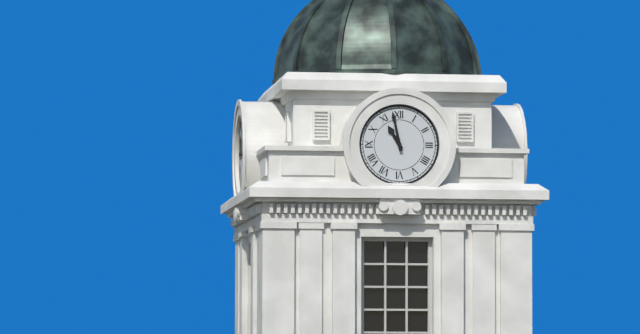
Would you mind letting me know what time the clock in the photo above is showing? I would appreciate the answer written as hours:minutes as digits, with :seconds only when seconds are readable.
10:58
